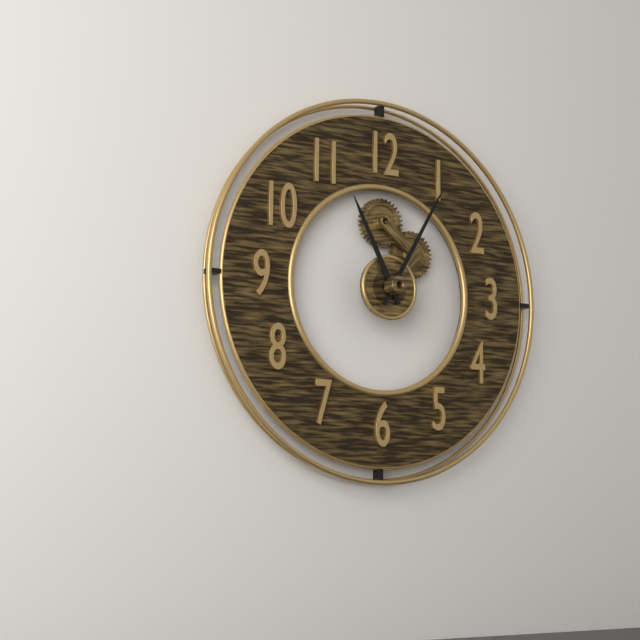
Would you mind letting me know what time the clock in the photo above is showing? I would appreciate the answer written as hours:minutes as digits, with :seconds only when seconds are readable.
11:05
